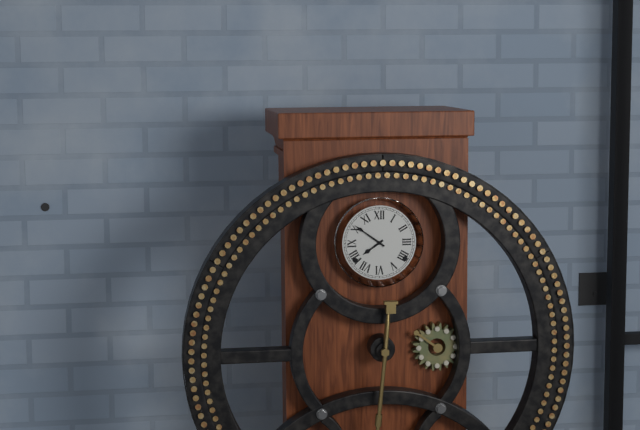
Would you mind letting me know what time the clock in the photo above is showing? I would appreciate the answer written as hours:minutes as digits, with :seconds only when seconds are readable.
7:51
